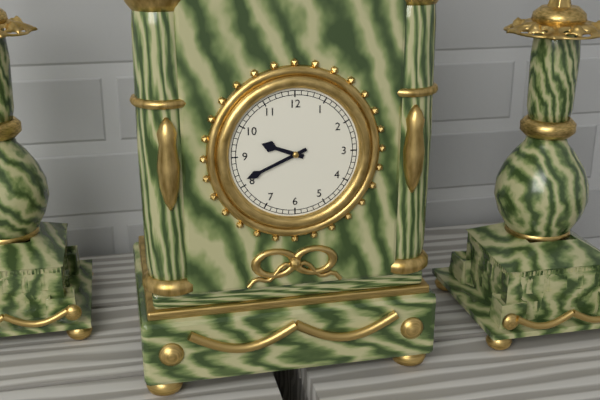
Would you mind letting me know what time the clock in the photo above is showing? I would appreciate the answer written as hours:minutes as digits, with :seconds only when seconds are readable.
9:41
